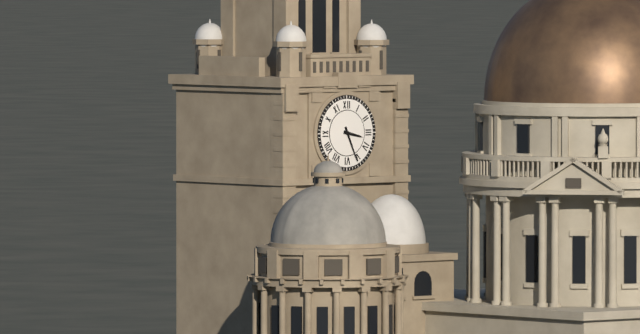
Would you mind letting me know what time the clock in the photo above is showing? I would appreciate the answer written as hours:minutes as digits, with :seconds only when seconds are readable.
3:26
